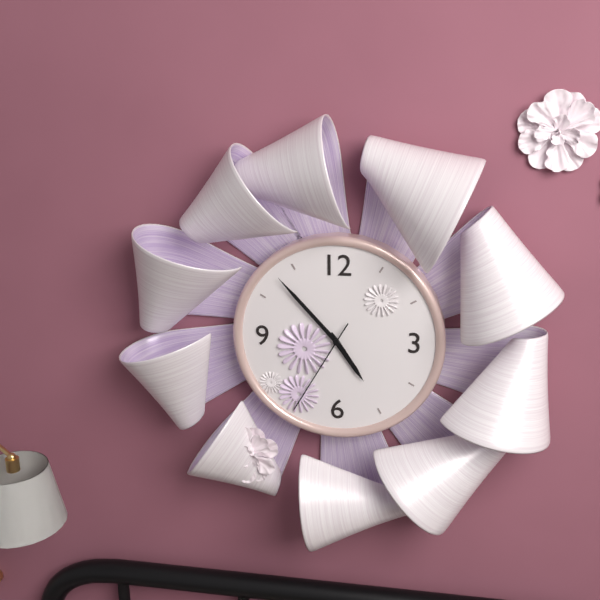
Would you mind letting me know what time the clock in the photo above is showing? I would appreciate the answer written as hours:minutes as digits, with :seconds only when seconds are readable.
4:53:35
